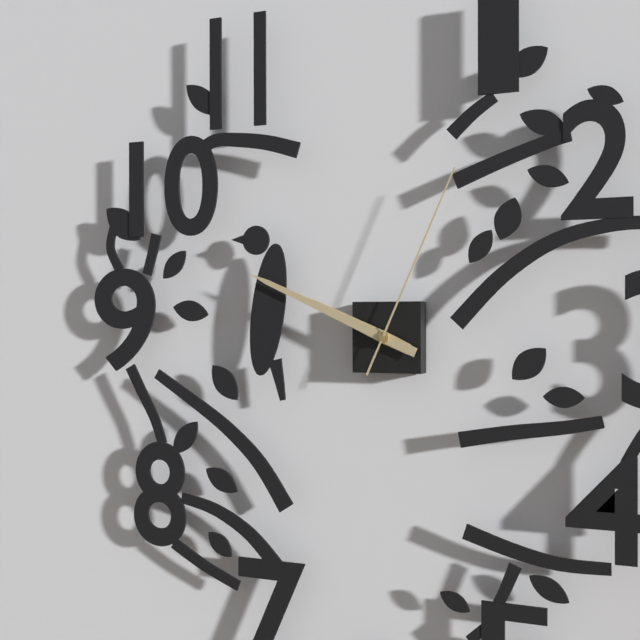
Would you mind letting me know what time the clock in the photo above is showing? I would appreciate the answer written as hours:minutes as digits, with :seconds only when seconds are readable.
9:49:04
